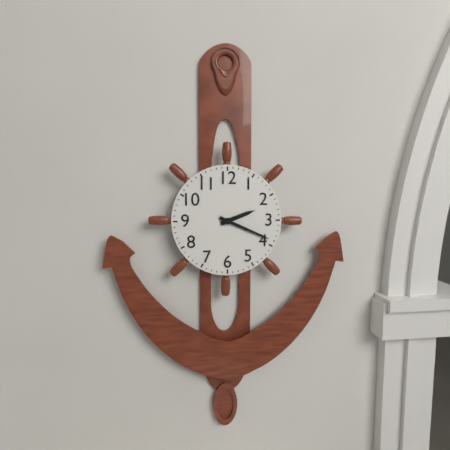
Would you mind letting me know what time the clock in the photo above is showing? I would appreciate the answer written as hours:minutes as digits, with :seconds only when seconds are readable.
2:19
